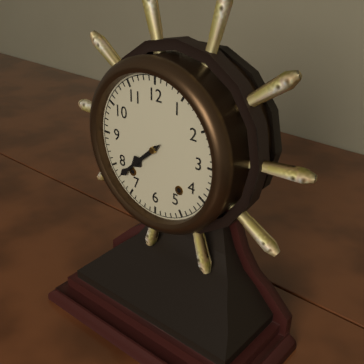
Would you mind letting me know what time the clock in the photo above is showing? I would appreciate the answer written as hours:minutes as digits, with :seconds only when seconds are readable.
7:38
